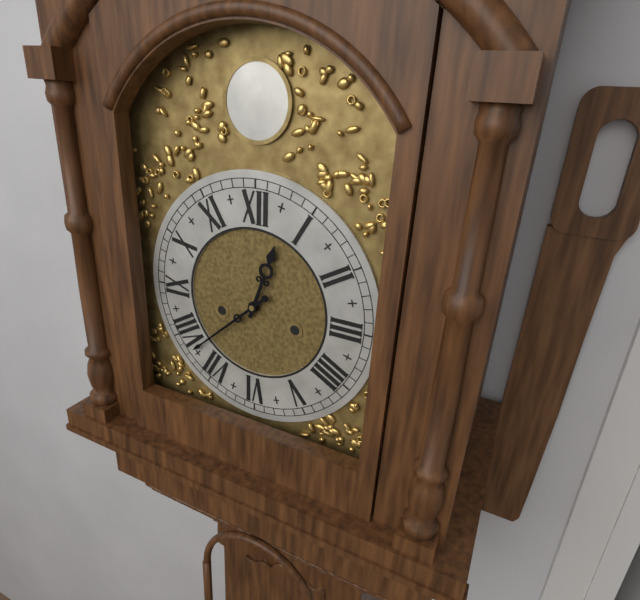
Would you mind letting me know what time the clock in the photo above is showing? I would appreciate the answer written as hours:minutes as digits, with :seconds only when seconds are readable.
12:38
